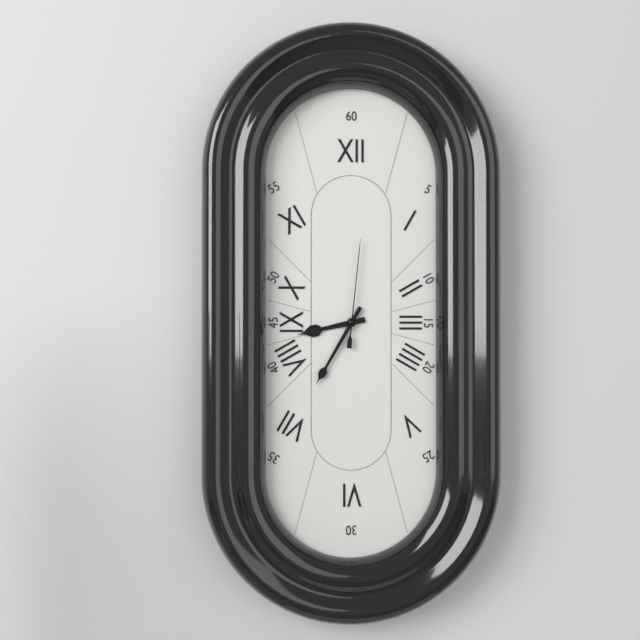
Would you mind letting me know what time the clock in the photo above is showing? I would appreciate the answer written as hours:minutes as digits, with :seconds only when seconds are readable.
8:35:01
